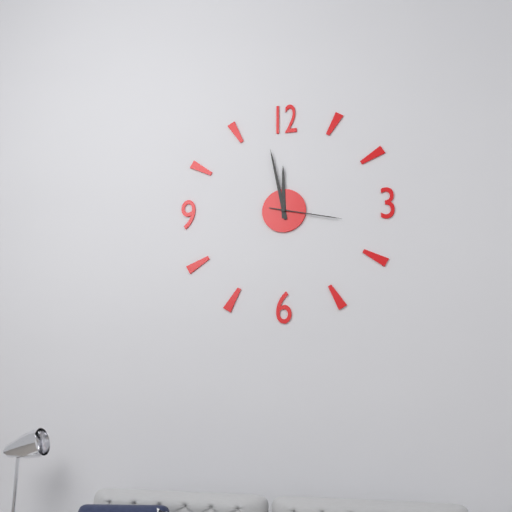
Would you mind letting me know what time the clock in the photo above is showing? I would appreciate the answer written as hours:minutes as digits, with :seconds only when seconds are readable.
11:58:17
